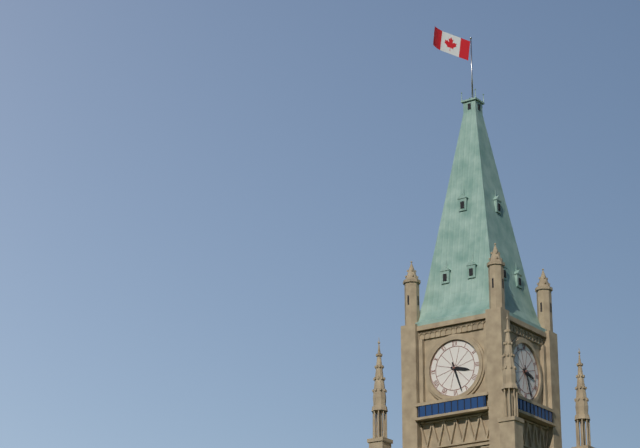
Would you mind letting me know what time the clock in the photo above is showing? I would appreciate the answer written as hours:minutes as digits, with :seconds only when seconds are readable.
3:27
